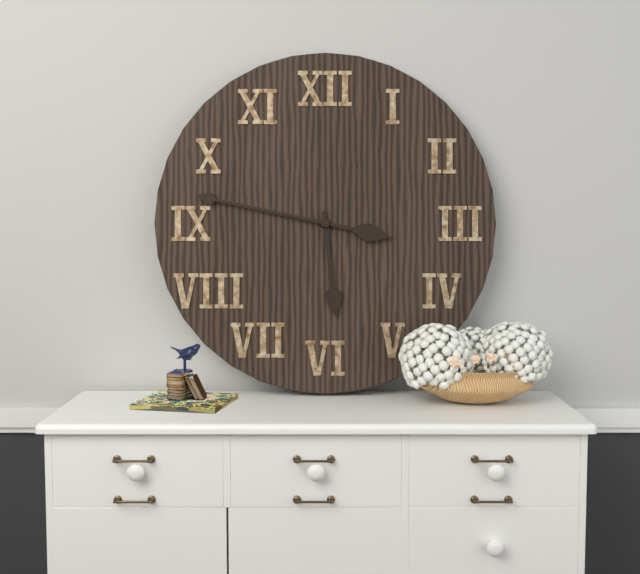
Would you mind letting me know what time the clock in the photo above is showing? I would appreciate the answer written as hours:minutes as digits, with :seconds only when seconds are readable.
5:47
